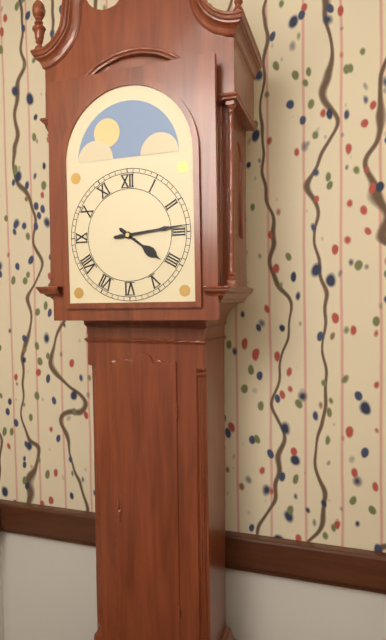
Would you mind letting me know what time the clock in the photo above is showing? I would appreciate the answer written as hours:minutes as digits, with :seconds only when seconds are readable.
4:14
